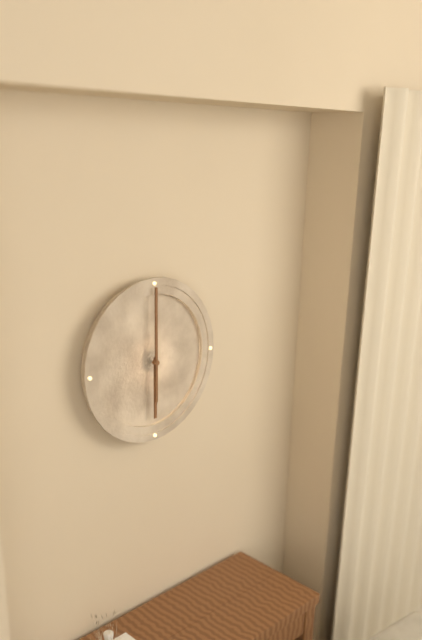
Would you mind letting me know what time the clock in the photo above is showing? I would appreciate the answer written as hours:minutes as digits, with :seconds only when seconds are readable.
6:00
